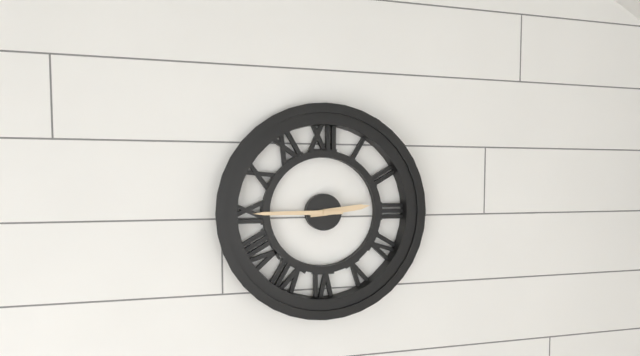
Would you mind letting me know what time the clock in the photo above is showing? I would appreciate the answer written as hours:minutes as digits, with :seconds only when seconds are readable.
2:45
